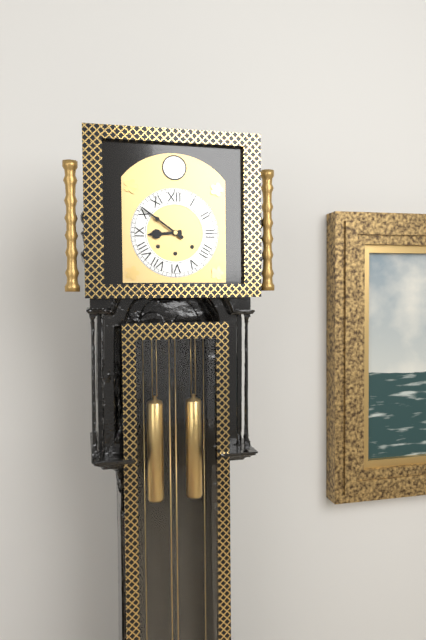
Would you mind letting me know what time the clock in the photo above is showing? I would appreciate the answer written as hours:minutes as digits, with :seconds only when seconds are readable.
8:51
